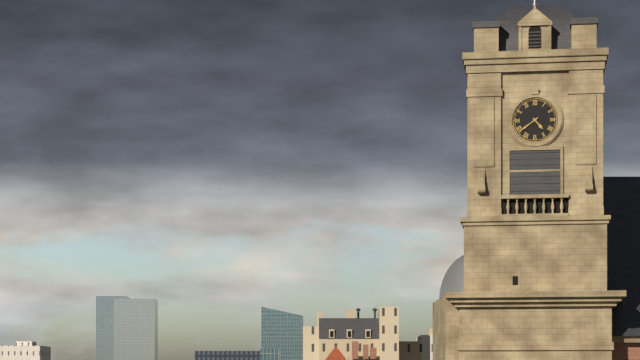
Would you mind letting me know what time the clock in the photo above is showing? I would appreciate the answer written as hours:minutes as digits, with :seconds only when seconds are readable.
4:39
